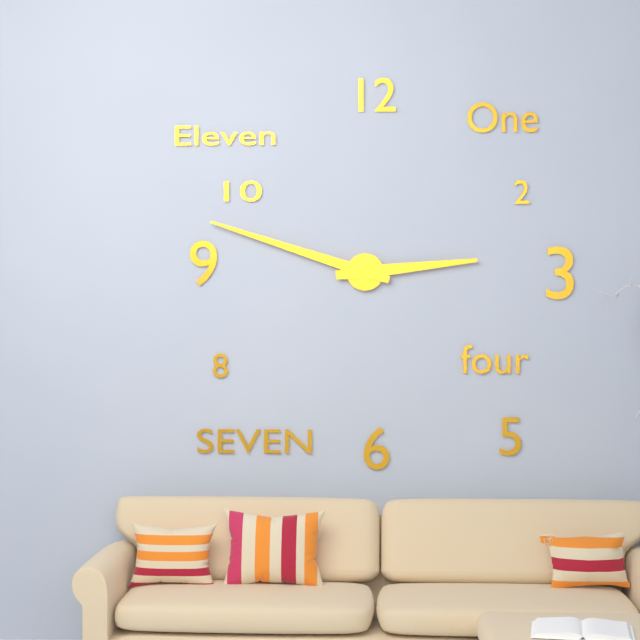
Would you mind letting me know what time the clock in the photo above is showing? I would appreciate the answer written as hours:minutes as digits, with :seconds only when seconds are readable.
2:48
